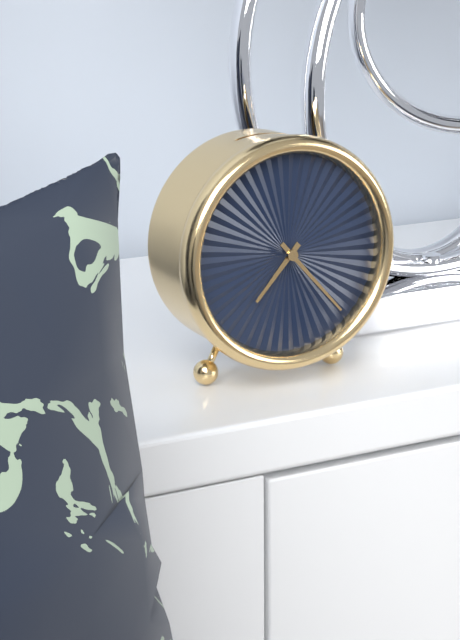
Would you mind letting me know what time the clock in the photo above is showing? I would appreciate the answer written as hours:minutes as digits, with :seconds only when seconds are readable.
7:23
